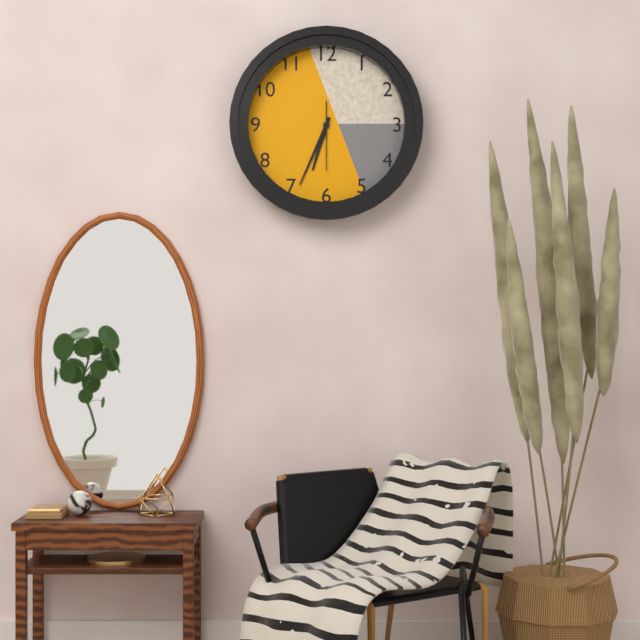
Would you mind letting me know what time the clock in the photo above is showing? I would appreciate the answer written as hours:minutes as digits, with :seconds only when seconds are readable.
6:34:30
